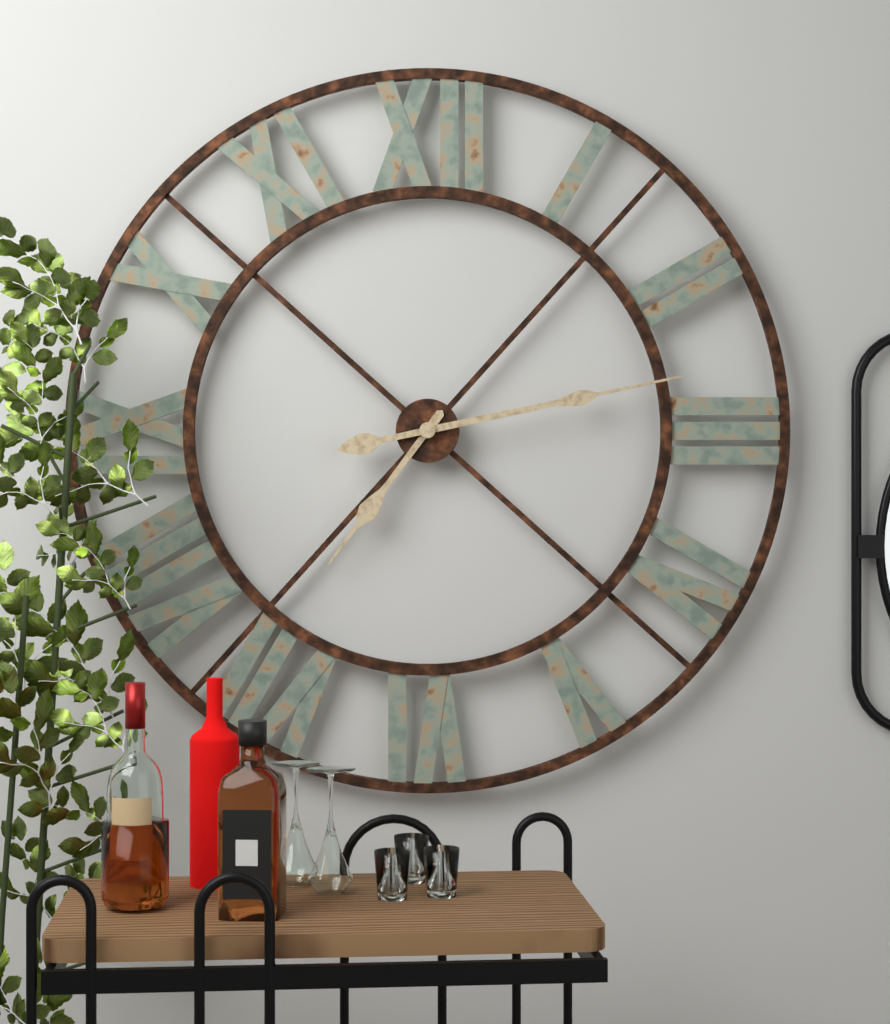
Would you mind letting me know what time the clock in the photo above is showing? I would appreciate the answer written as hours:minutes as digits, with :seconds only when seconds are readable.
7:13
